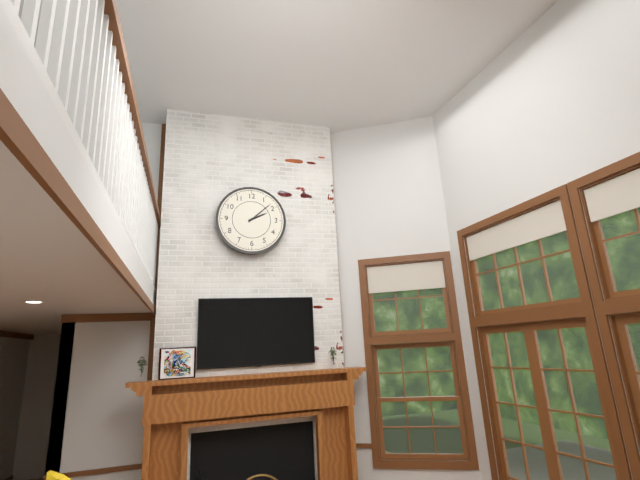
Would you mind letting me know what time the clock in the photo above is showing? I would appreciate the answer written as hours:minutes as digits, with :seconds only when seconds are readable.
2:08
